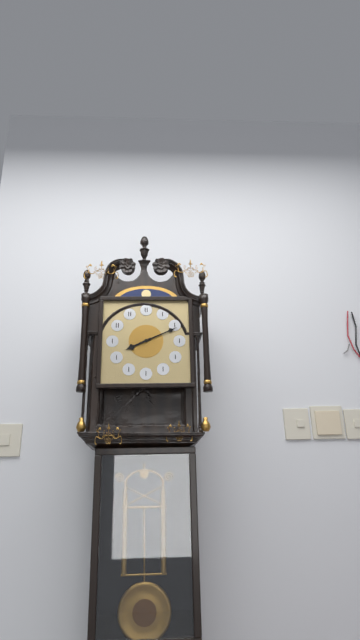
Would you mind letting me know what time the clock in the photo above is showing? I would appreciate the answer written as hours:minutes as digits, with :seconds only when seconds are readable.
8:11
